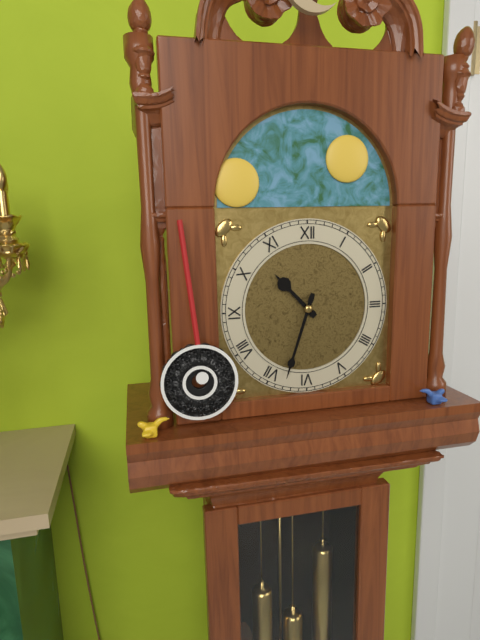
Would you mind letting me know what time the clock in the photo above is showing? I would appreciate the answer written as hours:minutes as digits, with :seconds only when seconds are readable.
10:33
